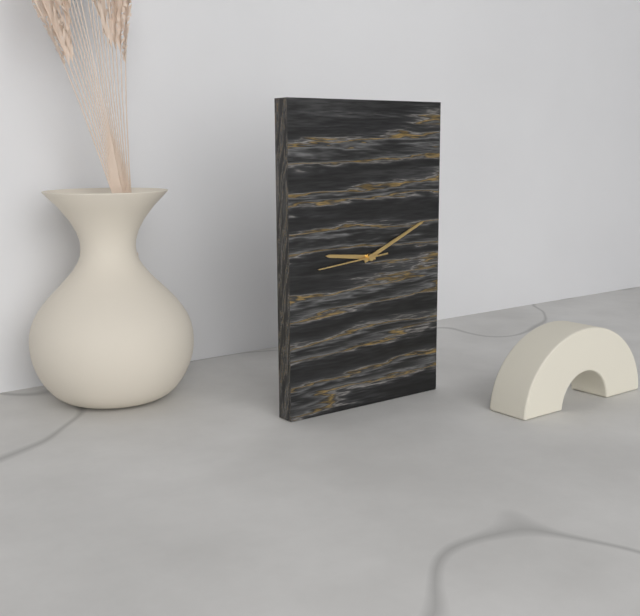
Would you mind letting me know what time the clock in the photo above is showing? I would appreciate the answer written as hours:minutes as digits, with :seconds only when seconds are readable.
9:11:44
